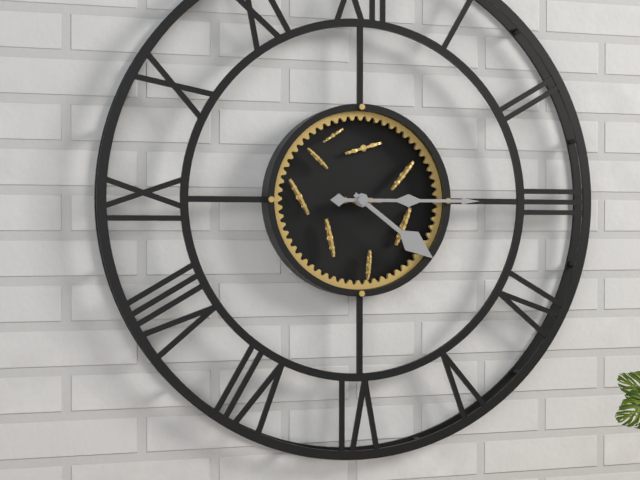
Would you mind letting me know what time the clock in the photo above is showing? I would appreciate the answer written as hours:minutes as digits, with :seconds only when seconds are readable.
4:15
